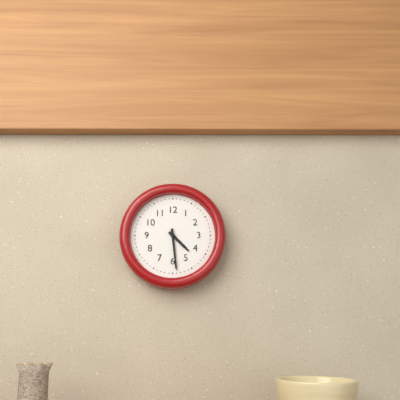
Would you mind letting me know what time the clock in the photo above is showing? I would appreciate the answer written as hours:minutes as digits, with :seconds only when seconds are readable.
4:29
